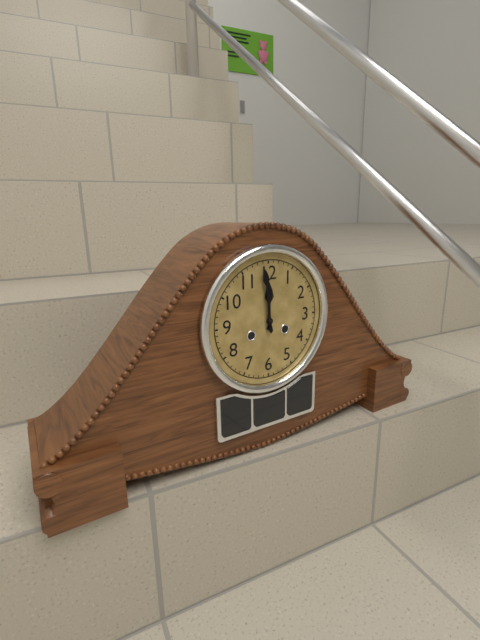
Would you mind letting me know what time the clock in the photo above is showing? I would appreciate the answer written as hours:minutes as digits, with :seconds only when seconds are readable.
11:59
